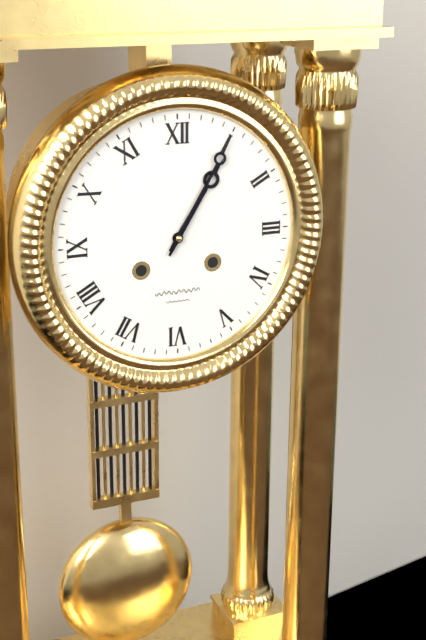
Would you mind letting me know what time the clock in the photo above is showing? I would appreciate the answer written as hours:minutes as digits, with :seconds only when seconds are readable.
1:05
